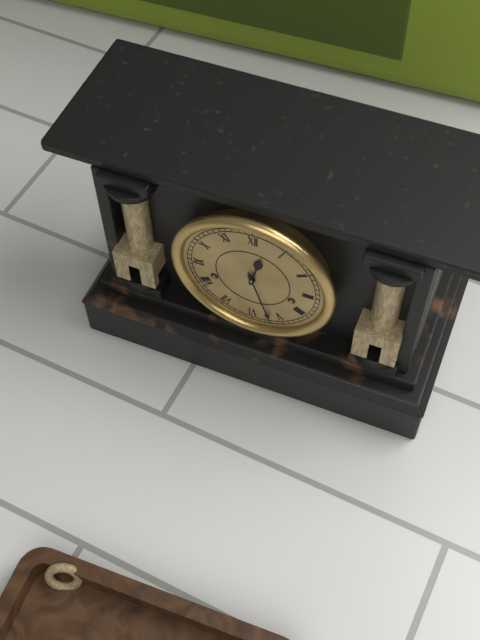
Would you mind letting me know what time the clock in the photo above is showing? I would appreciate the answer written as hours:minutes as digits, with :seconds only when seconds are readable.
12:27
